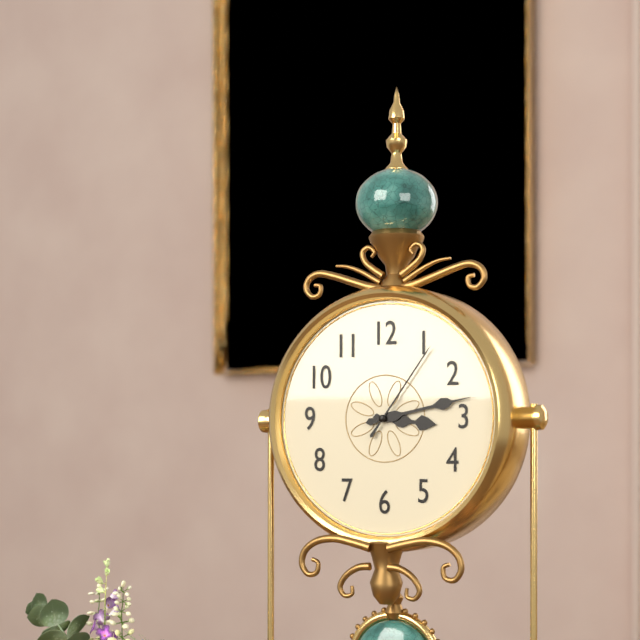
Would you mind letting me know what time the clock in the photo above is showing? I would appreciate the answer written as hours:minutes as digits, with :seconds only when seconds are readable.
3:13:06
